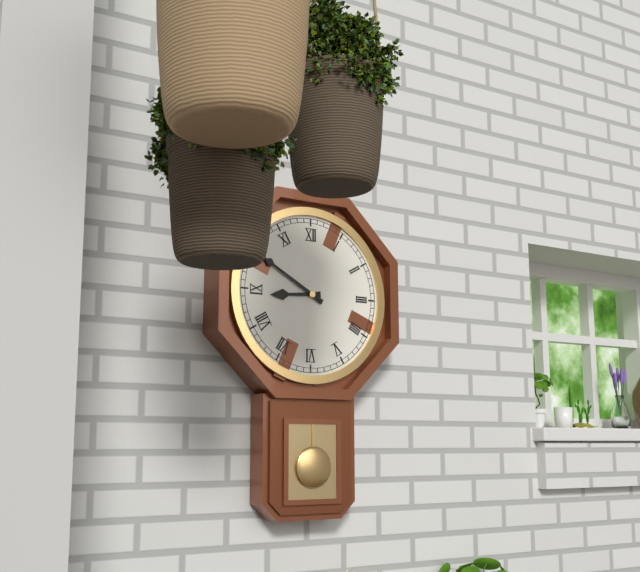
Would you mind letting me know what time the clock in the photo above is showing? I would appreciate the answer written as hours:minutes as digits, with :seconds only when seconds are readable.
8:50
